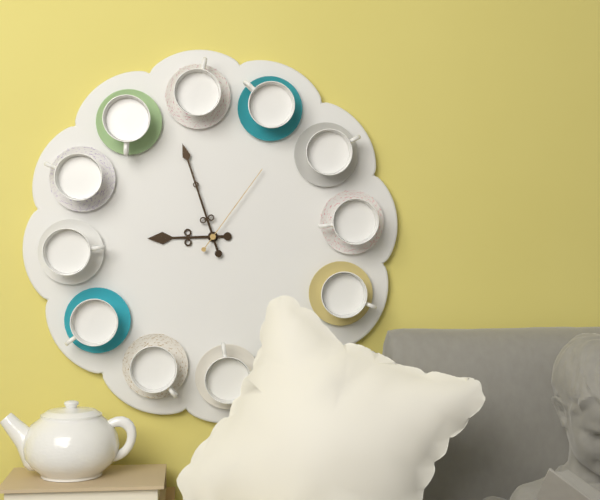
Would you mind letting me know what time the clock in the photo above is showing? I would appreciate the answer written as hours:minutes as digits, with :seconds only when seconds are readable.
8:57:06
